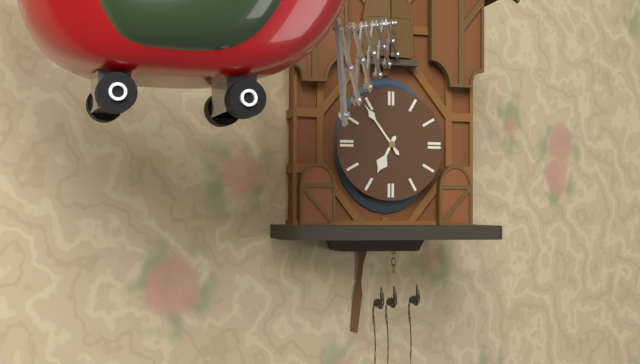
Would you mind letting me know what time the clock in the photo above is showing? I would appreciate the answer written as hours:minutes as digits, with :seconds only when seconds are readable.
6:54
